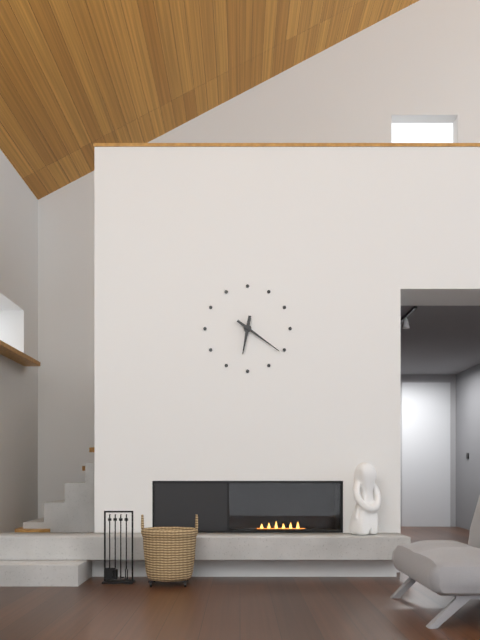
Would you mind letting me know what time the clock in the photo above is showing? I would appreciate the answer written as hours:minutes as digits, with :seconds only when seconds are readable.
6:21
